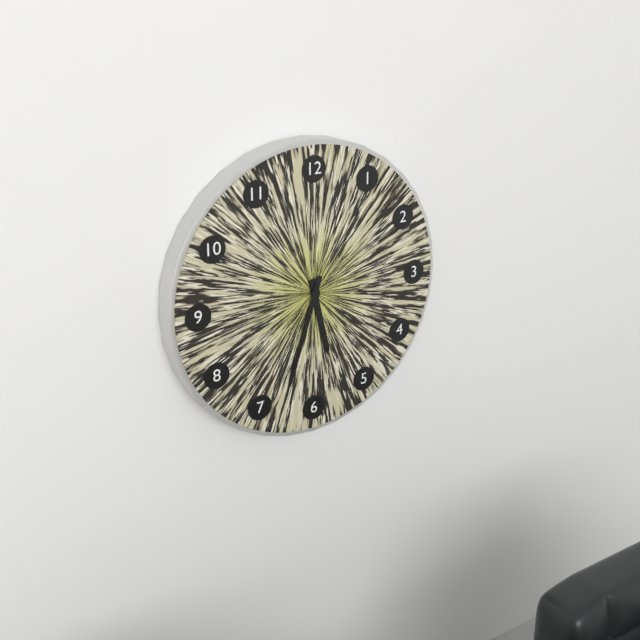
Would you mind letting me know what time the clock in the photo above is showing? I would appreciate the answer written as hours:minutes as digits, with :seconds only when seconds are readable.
5:33
